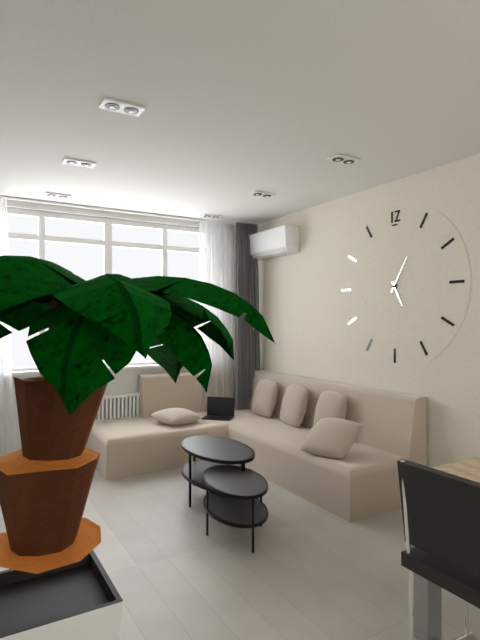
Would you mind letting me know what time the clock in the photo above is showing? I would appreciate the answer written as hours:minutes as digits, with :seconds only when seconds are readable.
5:05
